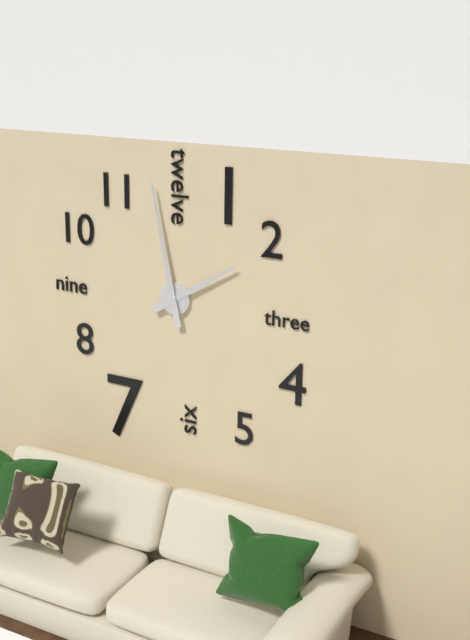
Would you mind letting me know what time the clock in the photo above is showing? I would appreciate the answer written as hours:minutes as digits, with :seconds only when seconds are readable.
1:58
